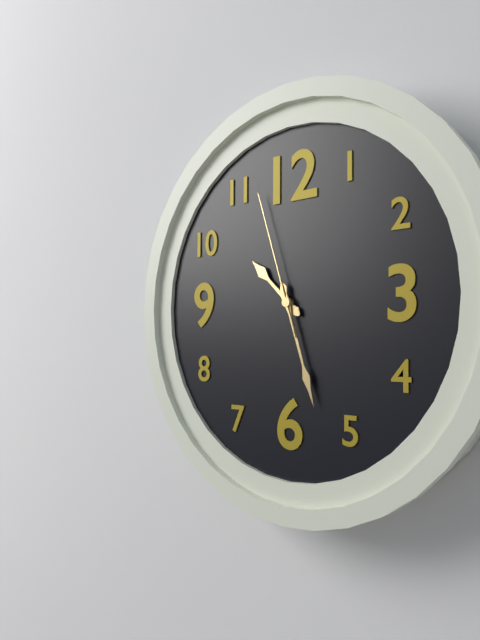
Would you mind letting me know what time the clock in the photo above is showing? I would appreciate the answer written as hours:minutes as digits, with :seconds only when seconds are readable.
10:27:57
